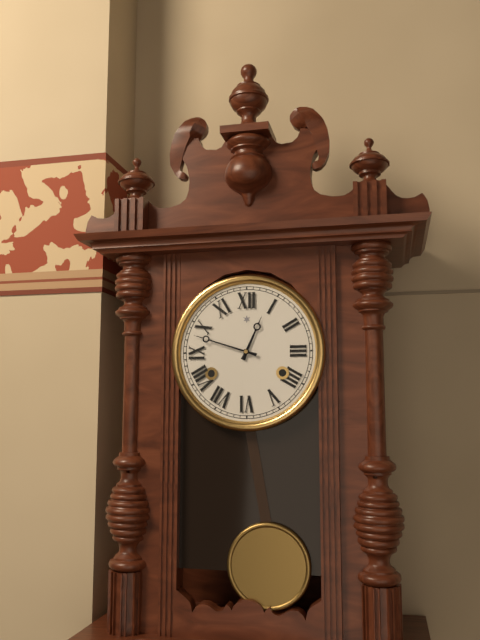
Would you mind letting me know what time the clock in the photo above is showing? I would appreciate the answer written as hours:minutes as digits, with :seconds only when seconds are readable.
12:48
